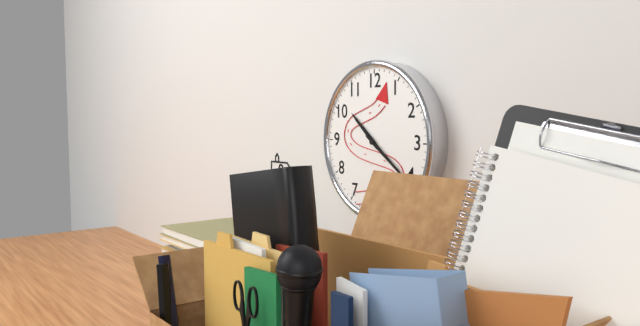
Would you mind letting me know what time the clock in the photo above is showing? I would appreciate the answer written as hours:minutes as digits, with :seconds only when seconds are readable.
10:21
